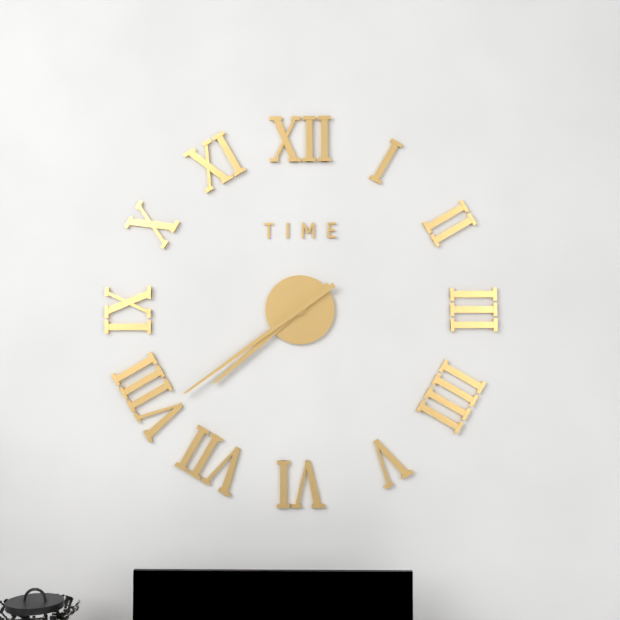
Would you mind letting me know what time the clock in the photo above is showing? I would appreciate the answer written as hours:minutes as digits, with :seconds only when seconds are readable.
7:39
